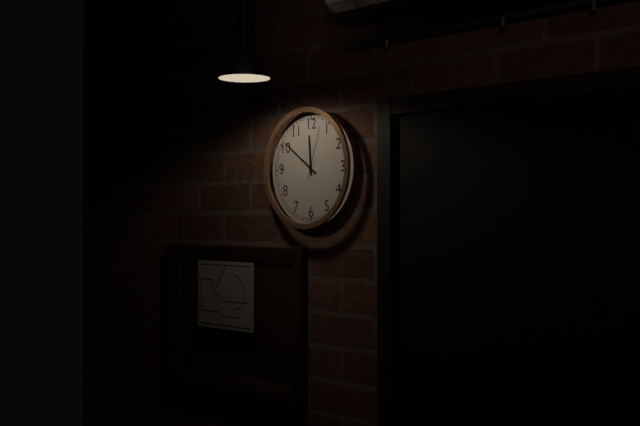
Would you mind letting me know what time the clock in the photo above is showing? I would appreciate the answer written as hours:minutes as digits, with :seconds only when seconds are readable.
11:51:03
